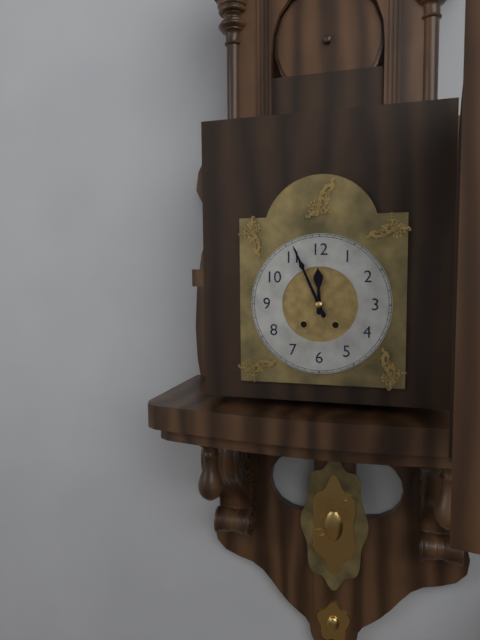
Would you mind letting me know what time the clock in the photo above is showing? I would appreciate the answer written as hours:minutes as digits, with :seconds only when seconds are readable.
11:56
